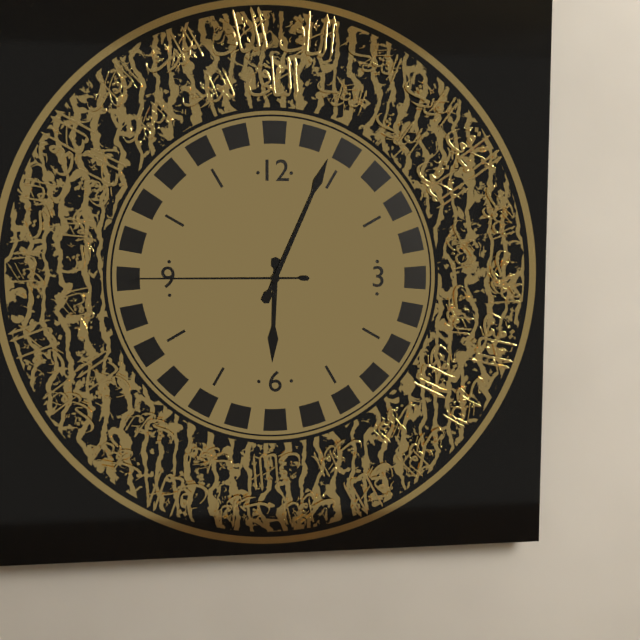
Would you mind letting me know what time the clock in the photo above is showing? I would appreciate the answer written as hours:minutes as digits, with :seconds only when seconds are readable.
6:04:45
